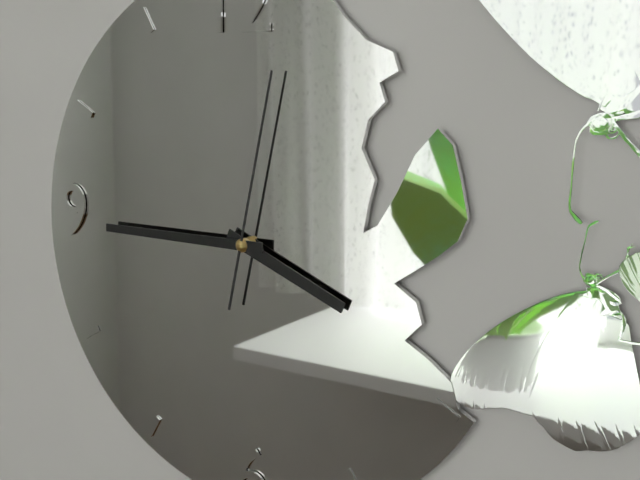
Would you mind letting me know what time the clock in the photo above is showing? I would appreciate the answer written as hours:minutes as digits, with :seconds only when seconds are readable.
3:45:02
